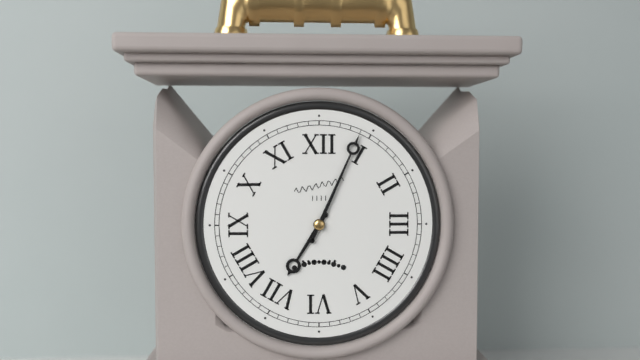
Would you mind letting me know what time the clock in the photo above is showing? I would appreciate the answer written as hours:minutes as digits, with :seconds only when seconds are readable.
7:04
